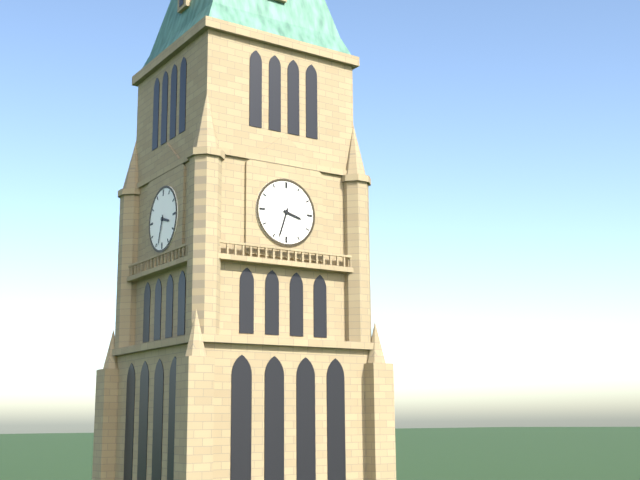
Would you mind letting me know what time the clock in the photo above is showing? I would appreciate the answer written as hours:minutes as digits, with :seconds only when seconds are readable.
3:33
